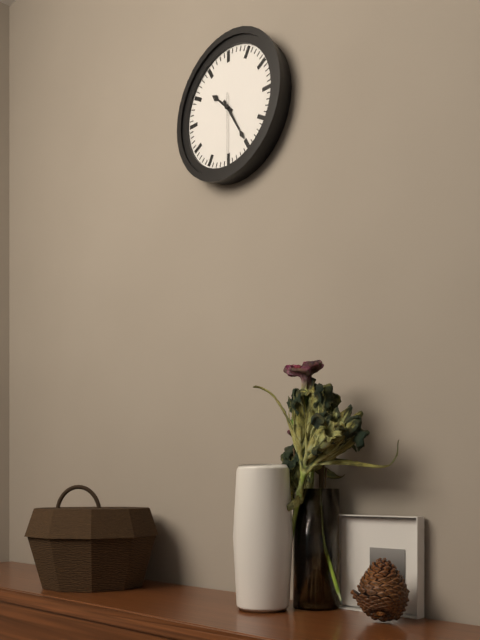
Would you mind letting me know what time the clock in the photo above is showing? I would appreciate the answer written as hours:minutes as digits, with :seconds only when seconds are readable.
10:25:30
